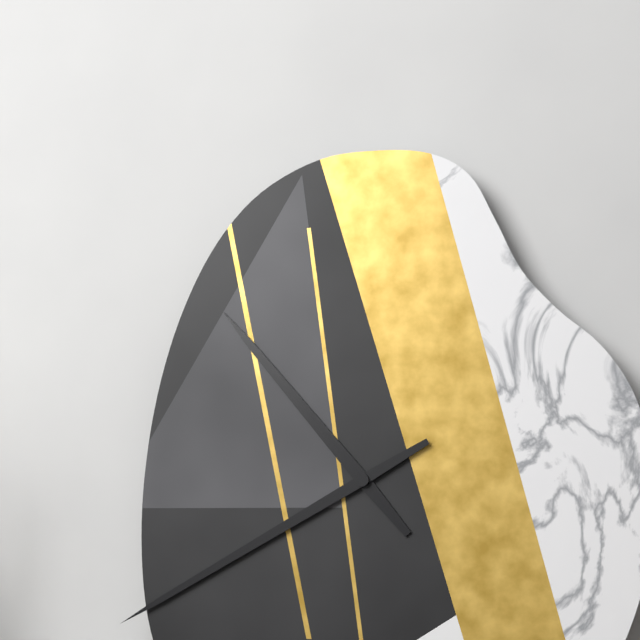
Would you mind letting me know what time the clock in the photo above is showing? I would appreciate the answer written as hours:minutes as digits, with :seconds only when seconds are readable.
10:40
